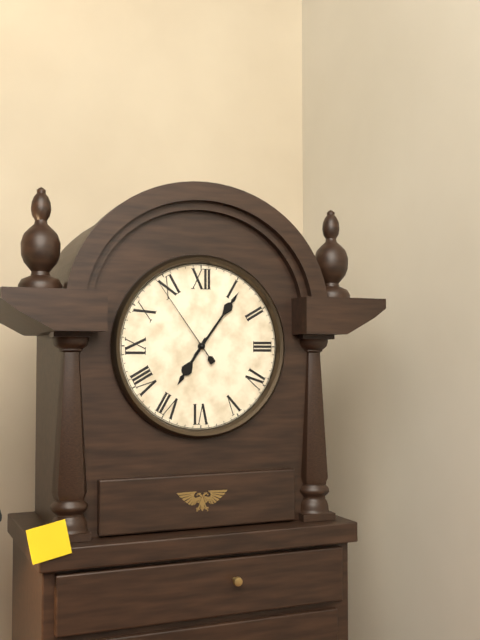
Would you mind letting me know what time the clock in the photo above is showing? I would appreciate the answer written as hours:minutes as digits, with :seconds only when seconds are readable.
7:06:54
